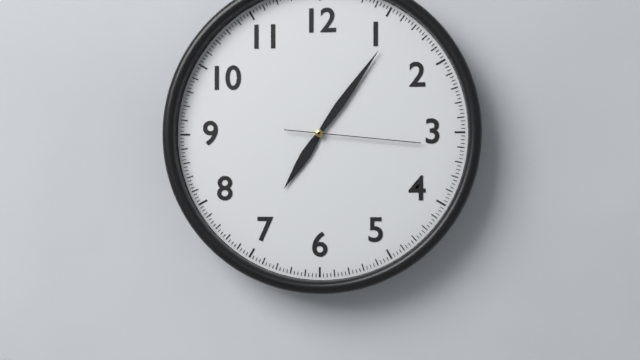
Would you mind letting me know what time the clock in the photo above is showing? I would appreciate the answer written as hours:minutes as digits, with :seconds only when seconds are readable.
7:06:16
